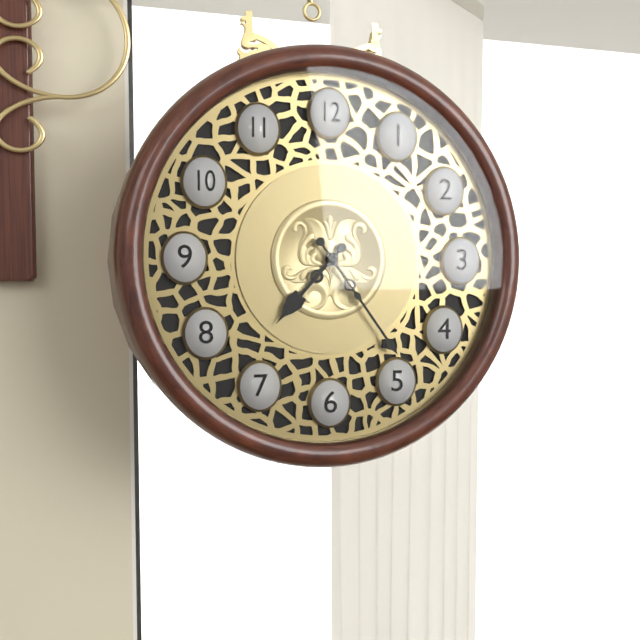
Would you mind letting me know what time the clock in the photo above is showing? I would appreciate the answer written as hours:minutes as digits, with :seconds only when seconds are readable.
7:24
